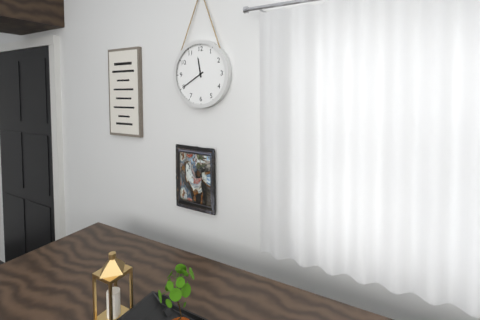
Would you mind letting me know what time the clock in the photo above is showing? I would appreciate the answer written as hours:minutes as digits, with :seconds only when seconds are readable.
11:40
